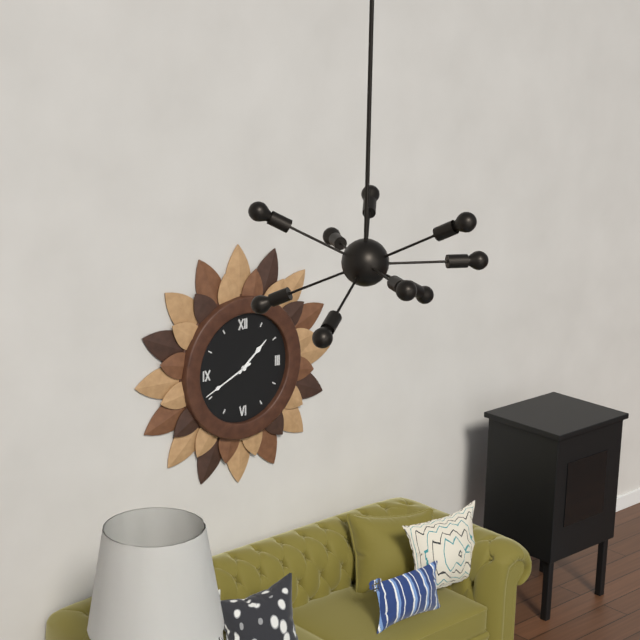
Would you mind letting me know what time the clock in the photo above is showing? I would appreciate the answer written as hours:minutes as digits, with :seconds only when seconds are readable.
1:41
